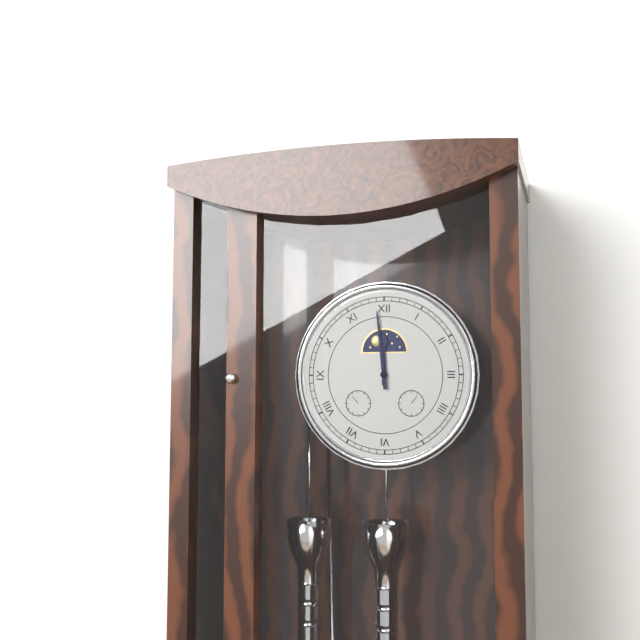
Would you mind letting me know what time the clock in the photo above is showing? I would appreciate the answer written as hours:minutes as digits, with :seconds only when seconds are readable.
11:59
